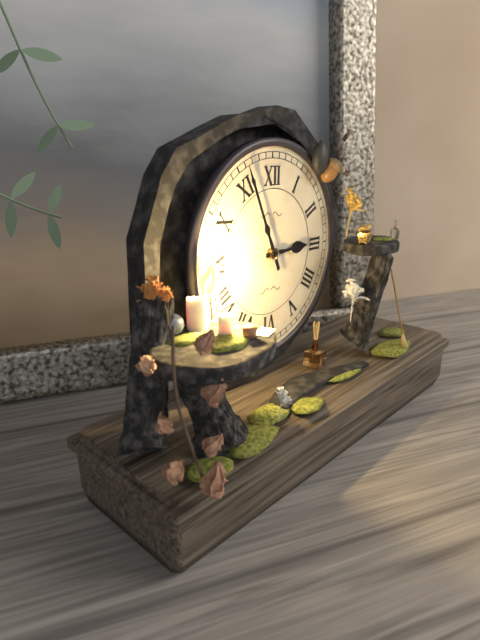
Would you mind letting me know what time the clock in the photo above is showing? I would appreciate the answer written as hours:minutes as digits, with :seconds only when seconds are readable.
2:56
